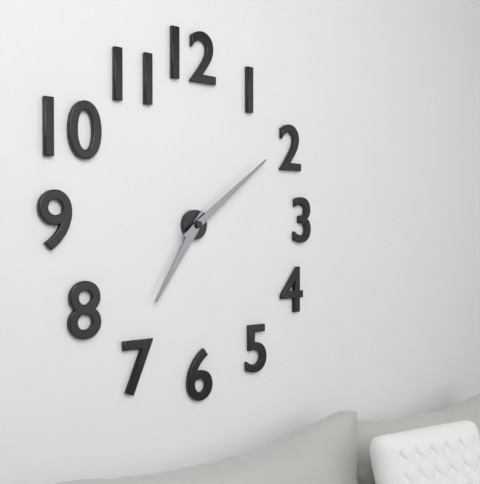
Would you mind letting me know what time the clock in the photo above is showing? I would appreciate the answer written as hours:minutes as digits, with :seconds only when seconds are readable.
7:09
